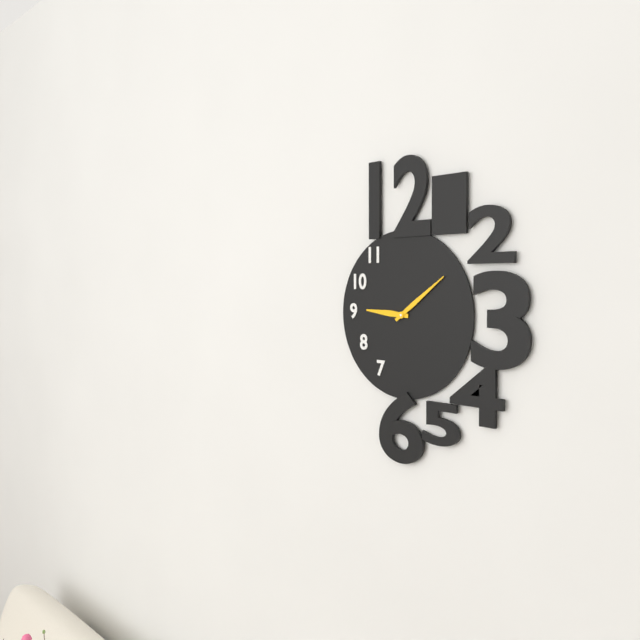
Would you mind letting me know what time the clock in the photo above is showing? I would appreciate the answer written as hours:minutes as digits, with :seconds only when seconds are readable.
9:09
